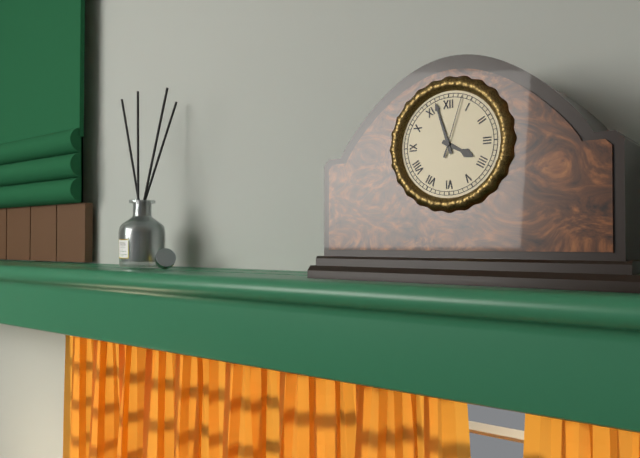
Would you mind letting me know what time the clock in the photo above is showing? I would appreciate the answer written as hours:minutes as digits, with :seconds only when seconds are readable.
3:57:03
